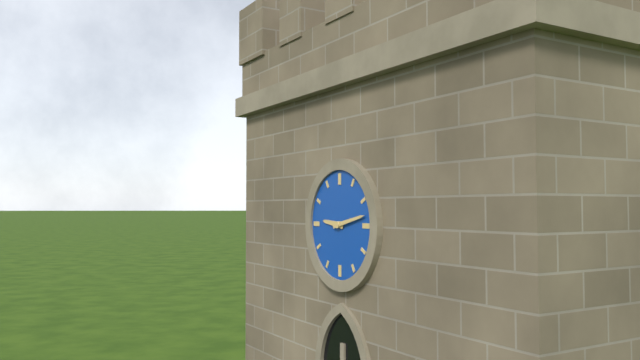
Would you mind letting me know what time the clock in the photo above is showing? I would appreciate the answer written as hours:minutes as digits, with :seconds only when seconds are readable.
9:13
